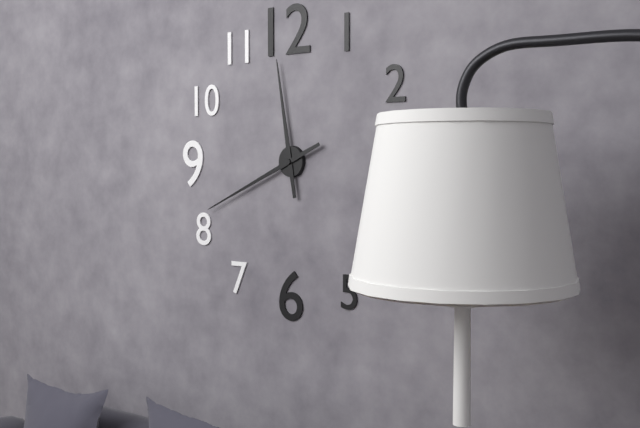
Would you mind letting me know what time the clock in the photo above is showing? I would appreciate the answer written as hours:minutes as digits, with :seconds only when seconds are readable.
11:41
